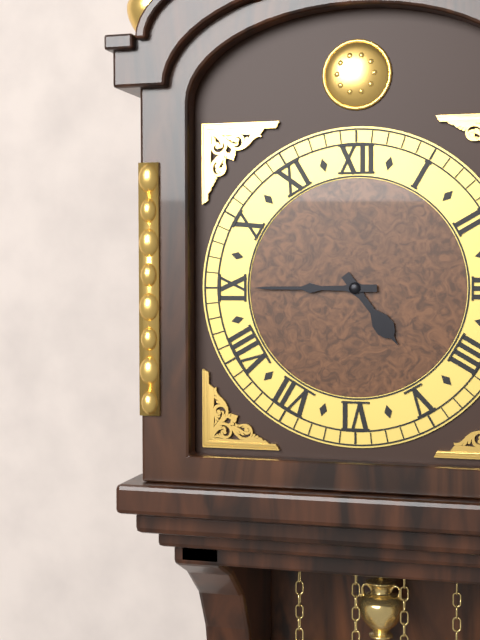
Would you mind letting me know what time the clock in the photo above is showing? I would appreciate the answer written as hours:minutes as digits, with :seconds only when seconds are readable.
4:45
